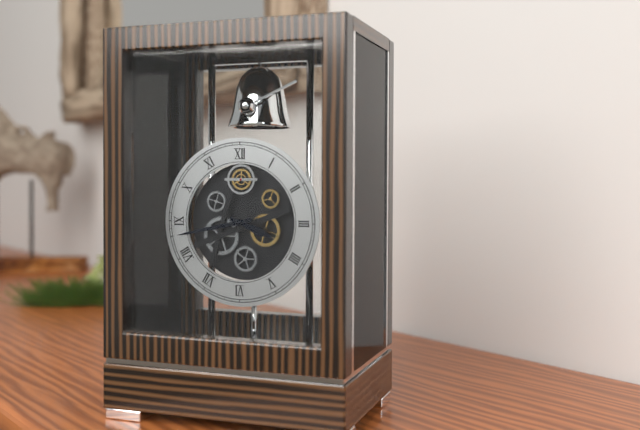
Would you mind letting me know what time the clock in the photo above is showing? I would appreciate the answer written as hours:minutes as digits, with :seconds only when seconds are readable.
3:43
